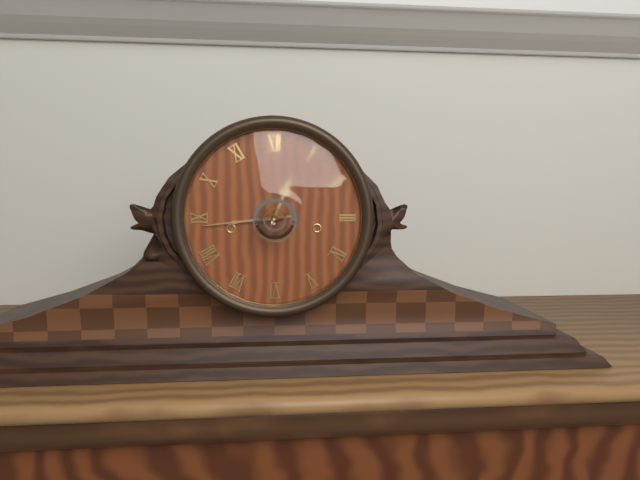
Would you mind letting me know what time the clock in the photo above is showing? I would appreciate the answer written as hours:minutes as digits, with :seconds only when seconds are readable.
12:44
